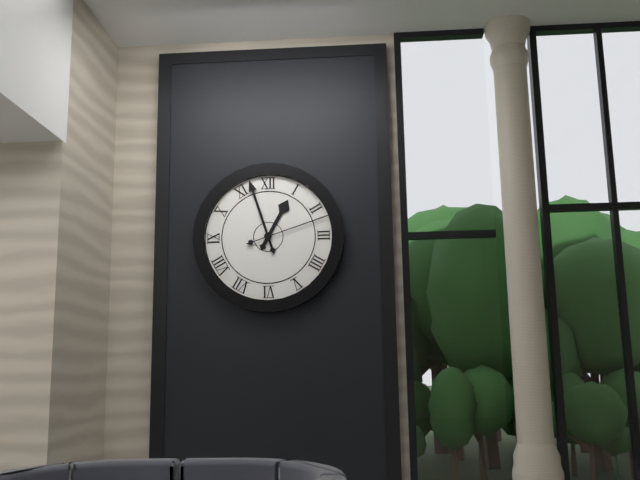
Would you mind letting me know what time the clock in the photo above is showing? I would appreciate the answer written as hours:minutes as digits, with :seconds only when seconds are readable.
12:57:12
